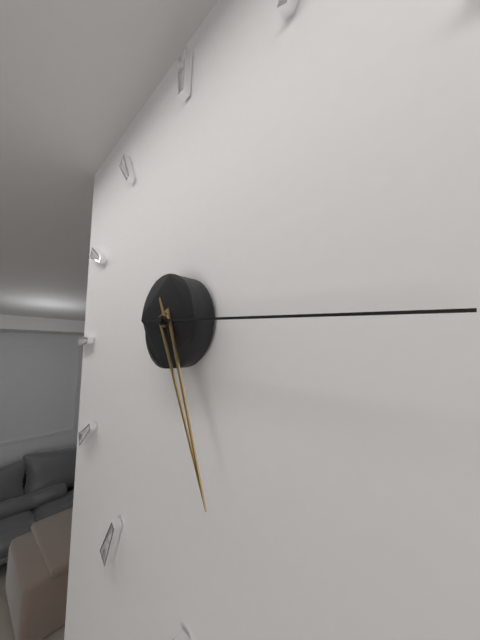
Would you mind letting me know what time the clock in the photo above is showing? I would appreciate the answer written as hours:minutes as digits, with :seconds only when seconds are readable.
5:16
